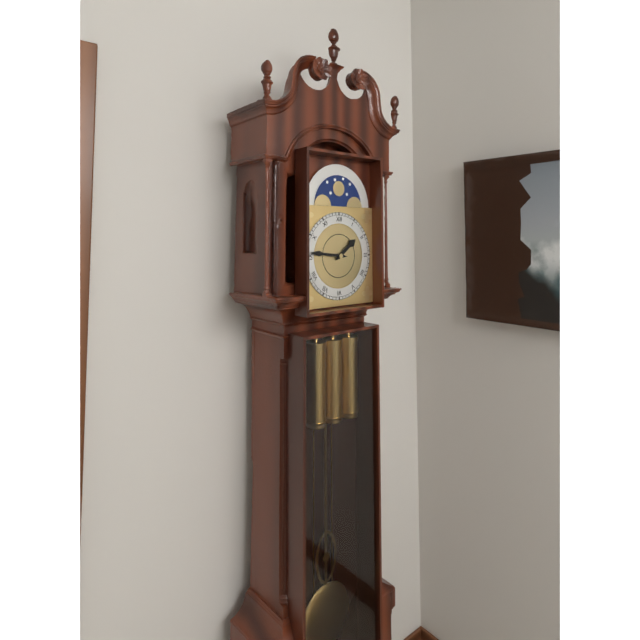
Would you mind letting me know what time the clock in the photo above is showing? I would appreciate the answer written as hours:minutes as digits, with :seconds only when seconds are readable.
1:46
